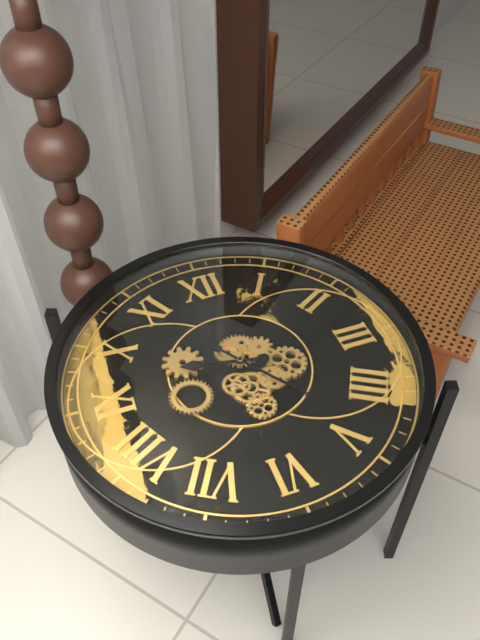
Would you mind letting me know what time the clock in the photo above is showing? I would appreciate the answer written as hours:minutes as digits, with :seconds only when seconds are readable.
9:24
